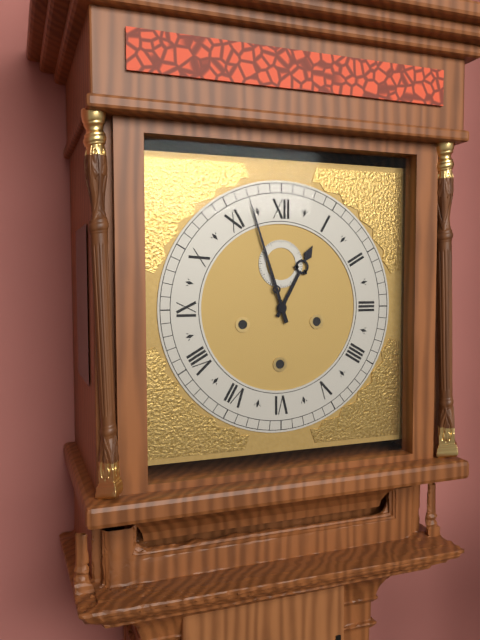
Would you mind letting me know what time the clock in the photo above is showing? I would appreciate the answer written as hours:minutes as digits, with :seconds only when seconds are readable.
12:57
